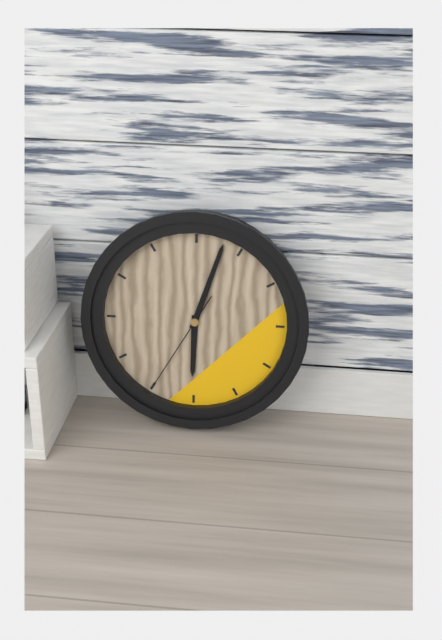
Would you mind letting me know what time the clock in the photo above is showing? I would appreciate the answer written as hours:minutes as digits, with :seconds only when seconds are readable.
6:03:35
